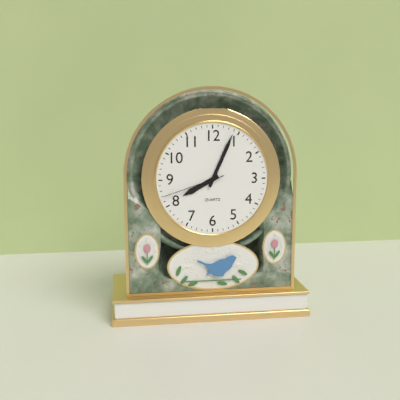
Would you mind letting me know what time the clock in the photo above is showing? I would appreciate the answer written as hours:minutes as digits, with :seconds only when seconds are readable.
8:04:42
